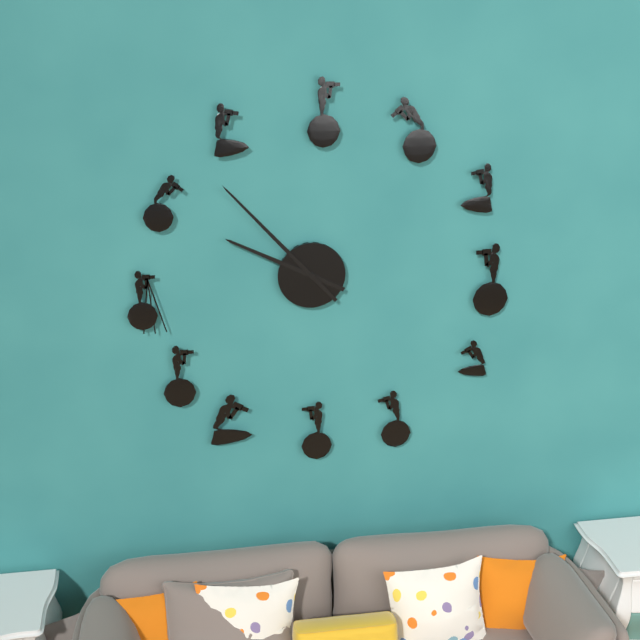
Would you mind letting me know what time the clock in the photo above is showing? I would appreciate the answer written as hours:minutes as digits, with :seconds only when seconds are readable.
9:53
